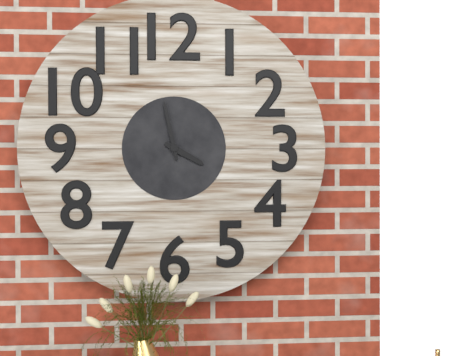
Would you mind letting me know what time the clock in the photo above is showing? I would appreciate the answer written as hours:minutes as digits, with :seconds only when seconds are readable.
3:58
